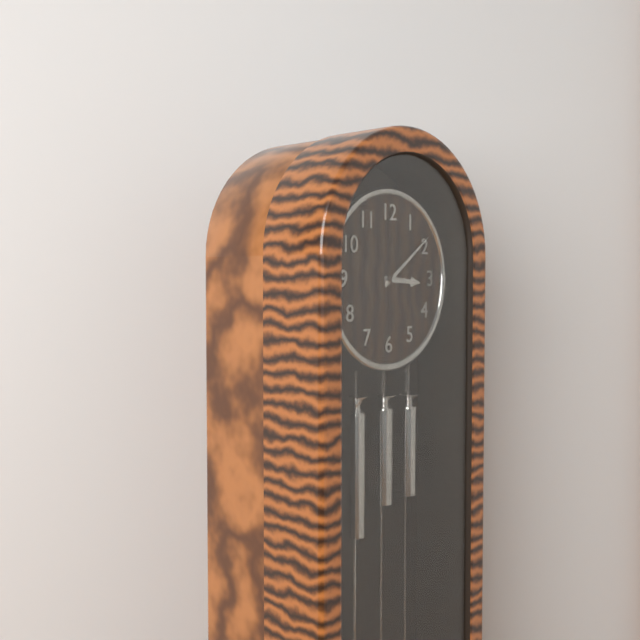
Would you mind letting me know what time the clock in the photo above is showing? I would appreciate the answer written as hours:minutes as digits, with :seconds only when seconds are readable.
3:09
